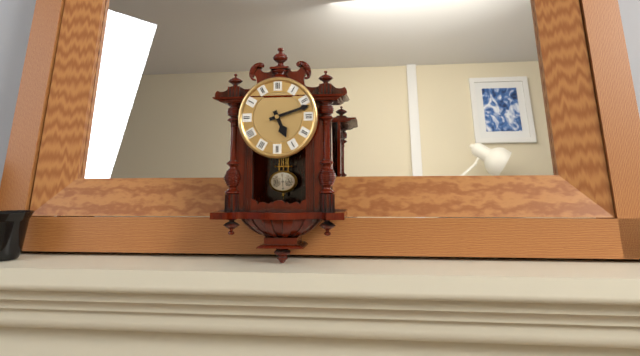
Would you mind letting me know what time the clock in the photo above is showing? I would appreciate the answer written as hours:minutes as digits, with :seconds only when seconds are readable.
5:12
